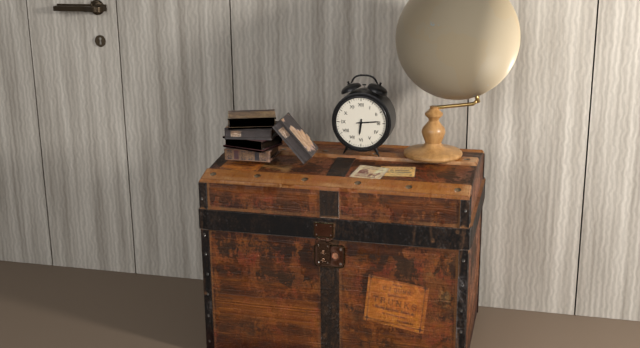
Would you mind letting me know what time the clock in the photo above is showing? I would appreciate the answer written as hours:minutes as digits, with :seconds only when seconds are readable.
6:14
